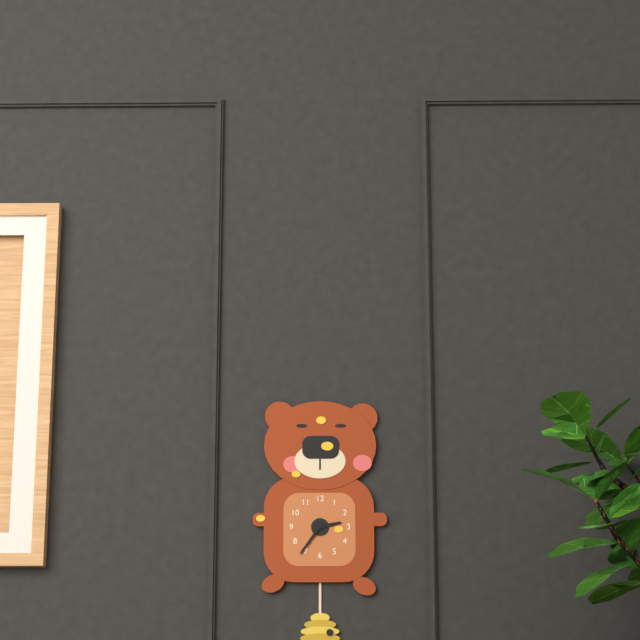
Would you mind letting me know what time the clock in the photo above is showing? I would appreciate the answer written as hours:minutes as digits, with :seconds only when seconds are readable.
2:36
